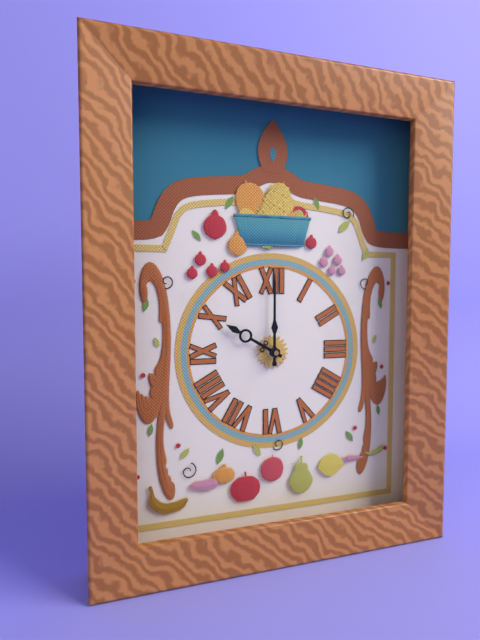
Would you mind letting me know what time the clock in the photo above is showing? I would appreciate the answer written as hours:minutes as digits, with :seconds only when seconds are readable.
10:00
